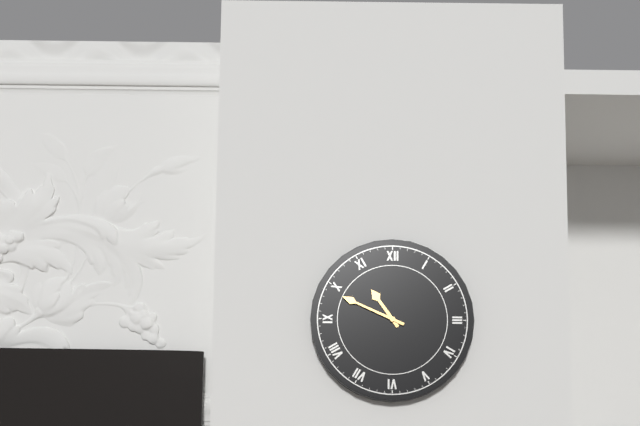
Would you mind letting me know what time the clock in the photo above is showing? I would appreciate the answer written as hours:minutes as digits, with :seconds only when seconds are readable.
10:49
